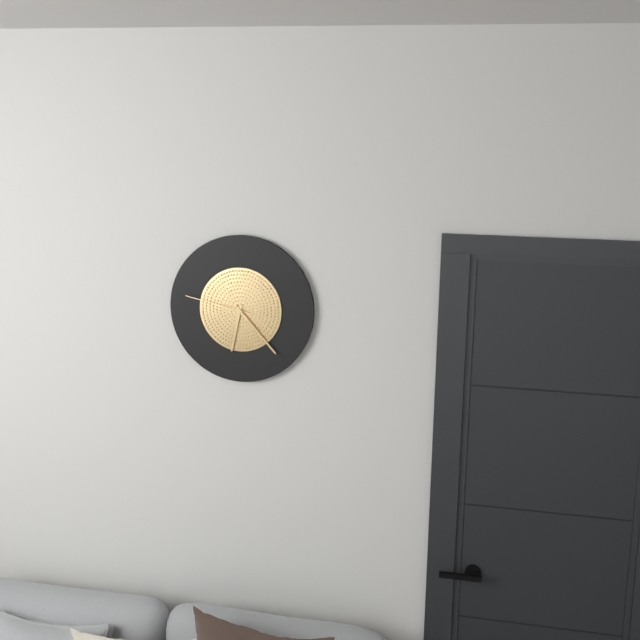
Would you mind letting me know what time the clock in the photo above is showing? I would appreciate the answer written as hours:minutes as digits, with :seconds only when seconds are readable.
6:23:47
